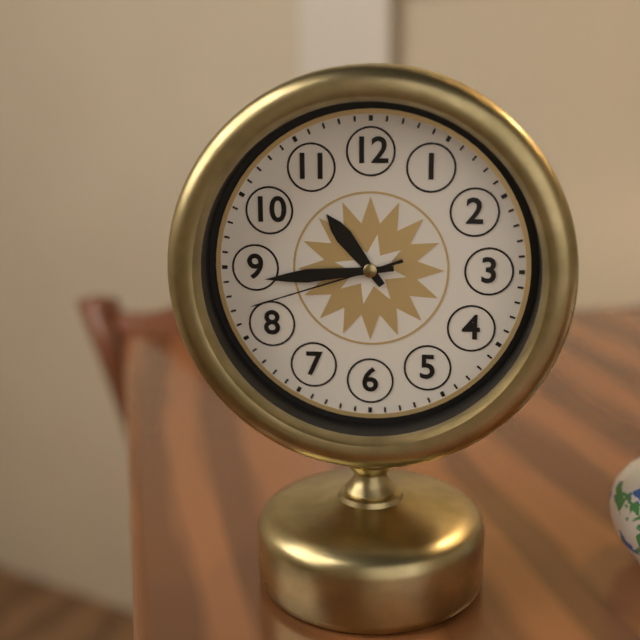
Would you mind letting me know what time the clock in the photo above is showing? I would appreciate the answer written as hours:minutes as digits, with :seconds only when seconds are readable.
10:44:42
